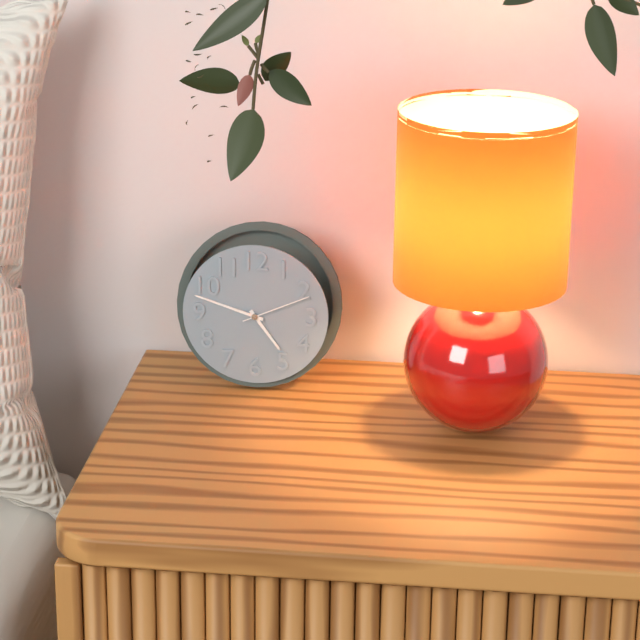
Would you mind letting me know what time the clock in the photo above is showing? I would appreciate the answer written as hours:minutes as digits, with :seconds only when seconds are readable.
4:48:11
